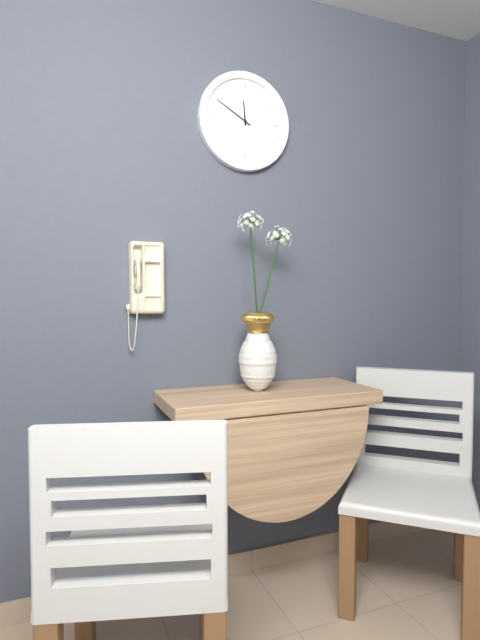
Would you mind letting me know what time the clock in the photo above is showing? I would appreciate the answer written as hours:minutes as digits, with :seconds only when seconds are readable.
11:50
